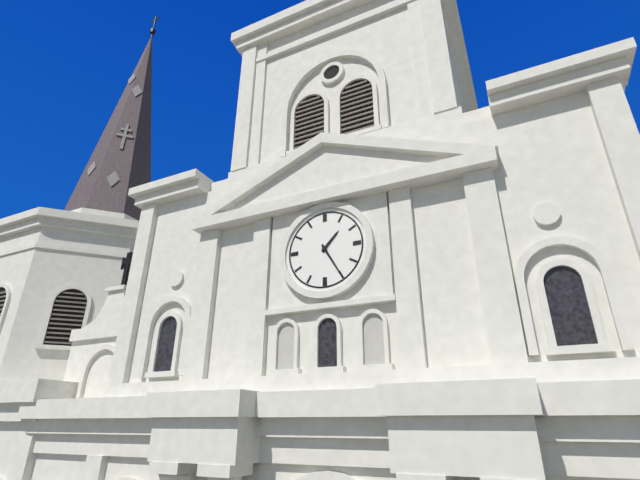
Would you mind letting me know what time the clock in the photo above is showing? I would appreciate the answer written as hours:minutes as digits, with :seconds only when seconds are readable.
1:25
